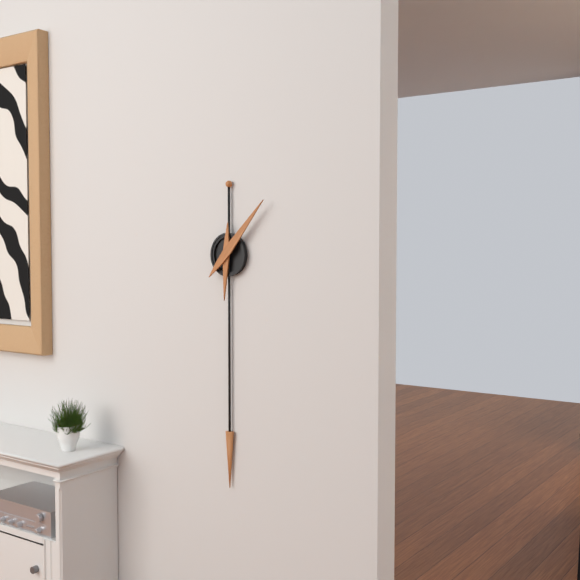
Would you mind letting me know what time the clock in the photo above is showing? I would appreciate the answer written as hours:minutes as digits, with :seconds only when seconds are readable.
6:07
